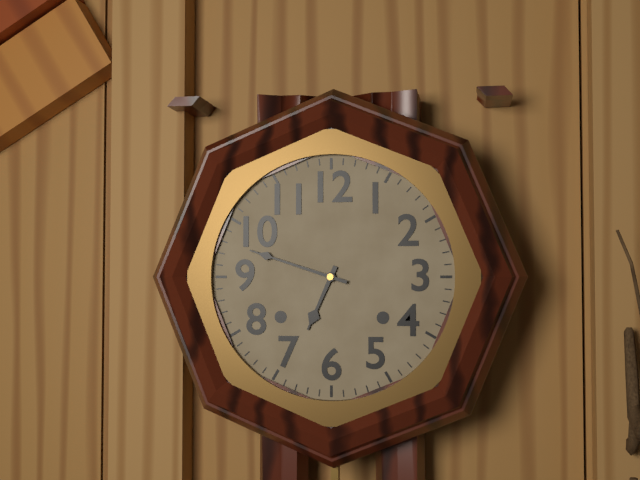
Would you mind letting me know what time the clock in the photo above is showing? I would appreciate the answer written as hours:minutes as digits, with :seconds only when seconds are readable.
6:48
